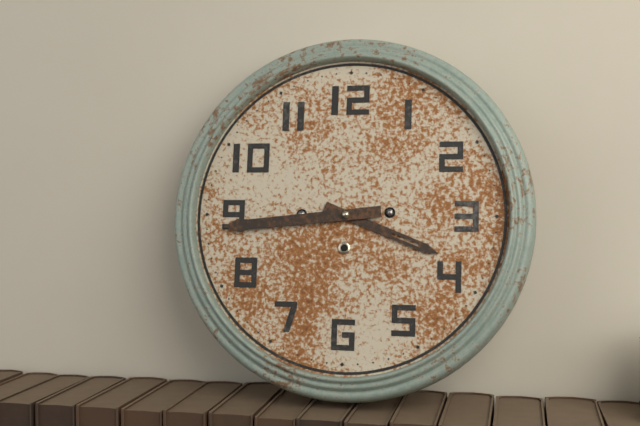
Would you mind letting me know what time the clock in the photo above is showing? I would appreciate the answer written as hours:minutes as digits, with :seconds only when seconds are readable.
3:44
